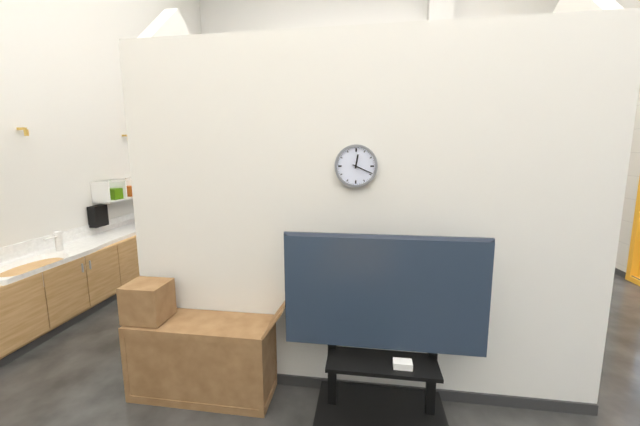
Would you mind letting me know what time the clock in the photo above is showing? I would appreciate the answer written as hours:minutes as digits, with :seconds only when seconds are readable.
12:19
